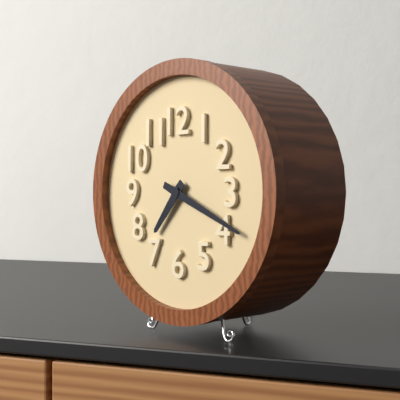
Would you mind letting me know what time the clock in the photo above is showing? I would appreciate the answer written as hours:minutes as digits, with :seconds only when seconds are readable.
7:19
